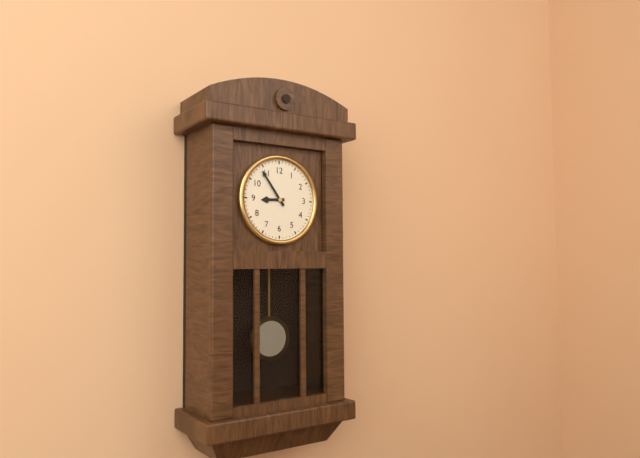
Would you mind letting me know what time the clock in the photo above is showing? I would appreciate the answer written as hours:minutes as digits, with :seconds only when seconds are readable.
8:54
